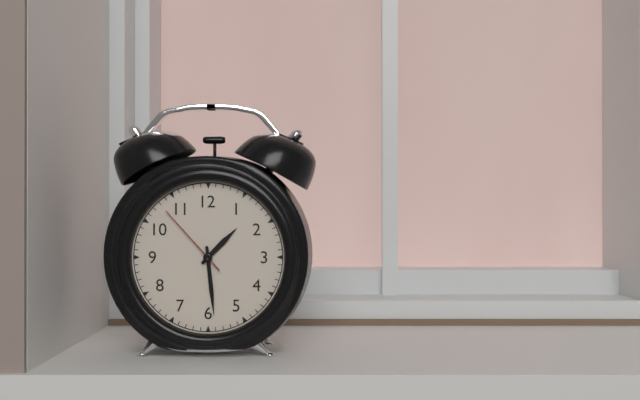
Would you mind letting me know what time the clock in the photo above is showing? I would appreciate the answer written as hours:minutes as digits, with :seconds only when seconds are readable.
1:29:53
